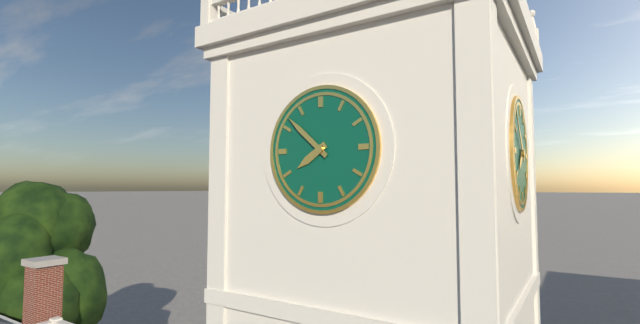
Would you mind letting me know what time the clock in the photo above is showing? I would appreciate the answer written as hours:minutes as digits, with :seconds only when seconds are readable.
7:52
